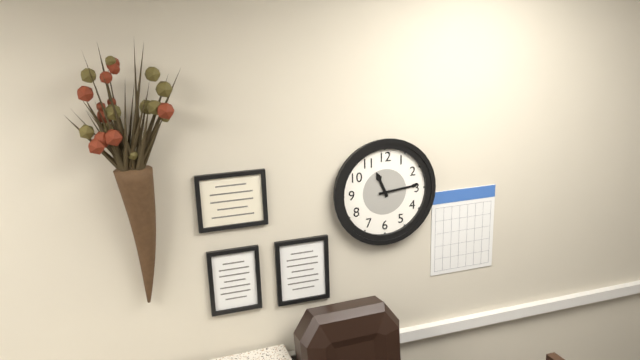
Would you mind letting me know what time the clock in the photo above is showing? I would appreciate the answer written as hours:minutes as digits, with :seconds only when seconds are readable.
11:14
